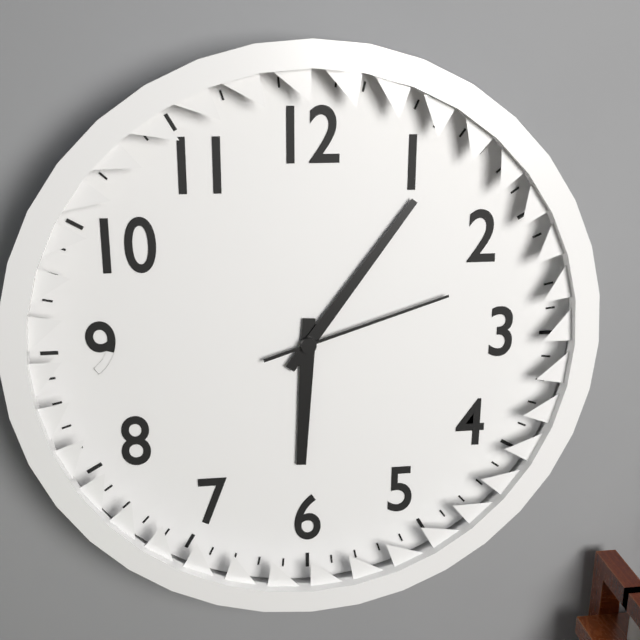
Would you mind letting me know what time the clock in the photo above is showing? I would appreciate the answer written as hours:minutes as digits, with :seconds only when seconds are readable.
6:06:12
